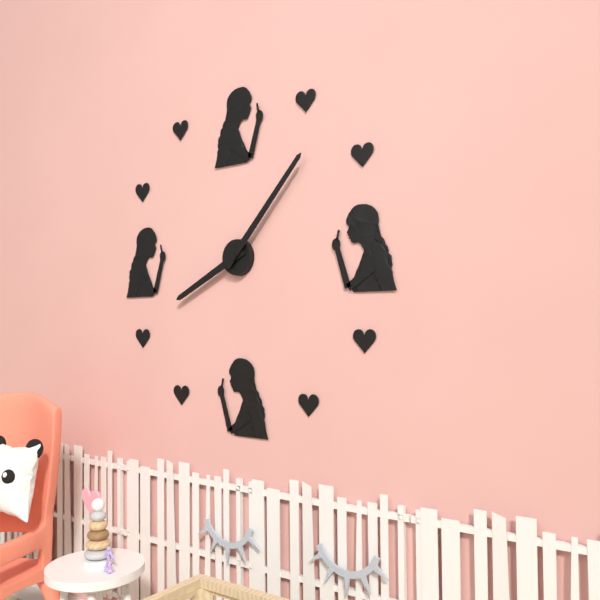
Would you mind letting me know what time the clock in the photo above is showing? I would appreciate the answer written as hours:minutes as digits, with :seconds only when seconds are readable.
8:07
